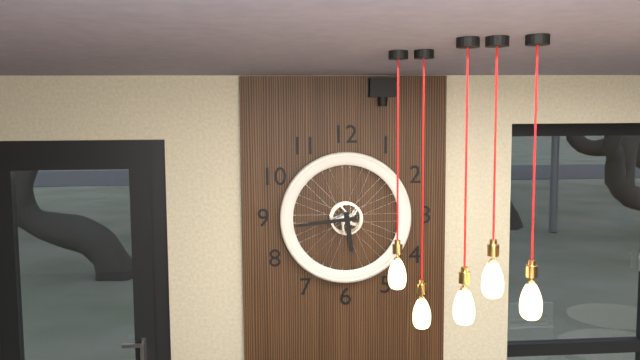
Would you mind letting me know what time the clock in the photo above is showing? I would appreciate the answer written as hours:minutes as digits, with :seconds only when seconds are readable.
5:44
